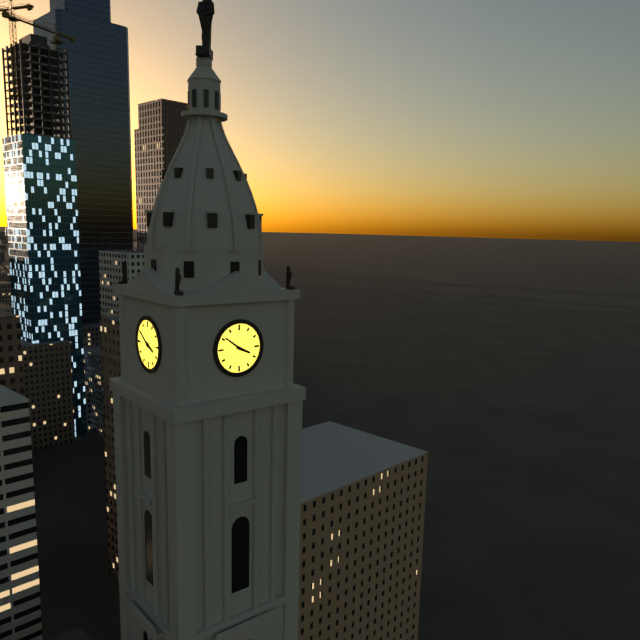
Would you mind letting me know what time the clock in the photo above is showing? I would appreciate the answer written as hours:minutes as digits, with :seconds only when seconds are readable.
3:51
